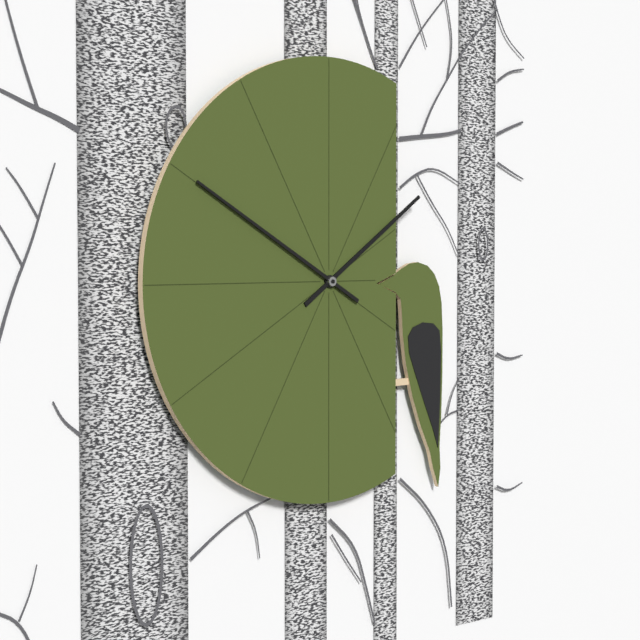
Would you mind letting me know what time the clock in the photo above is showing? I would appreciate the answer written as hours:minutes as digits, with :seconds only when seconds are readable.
1:50
